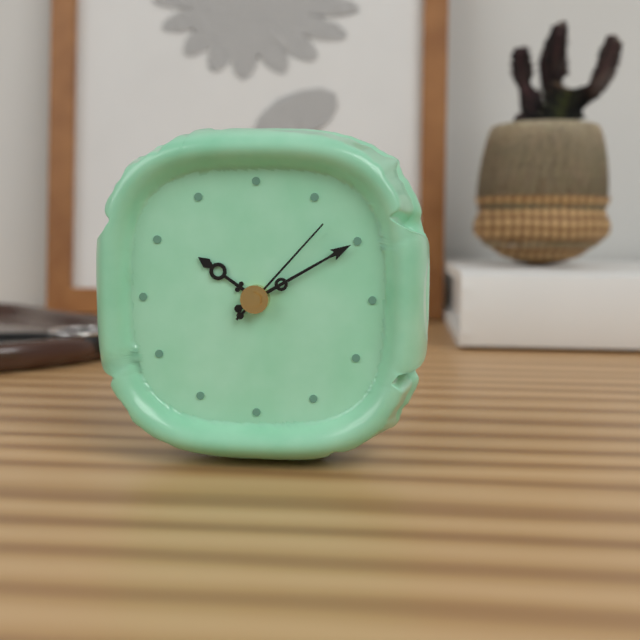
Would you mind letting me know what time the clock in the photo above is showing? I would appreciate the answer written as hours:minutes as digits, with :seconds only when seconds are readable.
10:10:07
